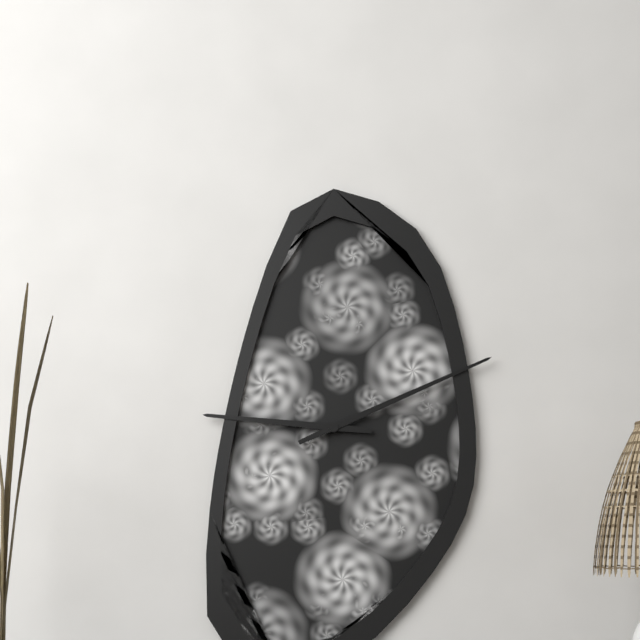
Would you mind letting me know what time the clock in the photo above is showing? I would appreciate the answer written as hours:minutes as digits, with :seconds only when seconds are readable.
9:11
